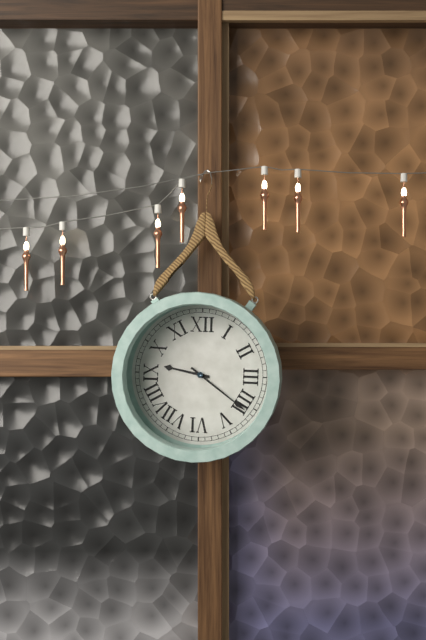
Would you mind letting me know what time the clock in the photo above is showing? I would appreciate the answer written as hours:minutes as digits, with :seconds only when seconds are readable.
9:21
